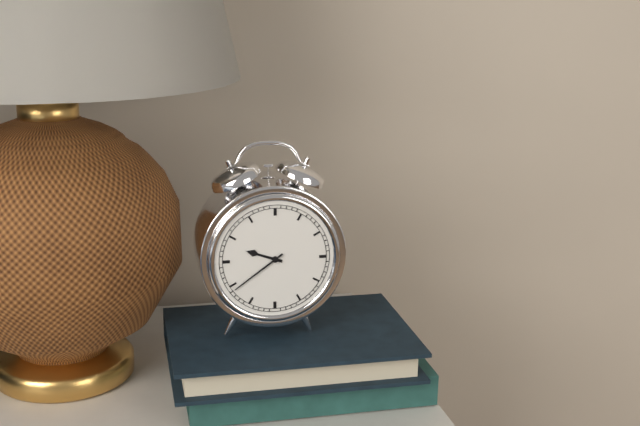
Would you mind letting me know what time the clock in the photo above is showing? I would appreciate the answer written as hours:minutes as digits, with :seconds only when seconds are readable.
9:39
